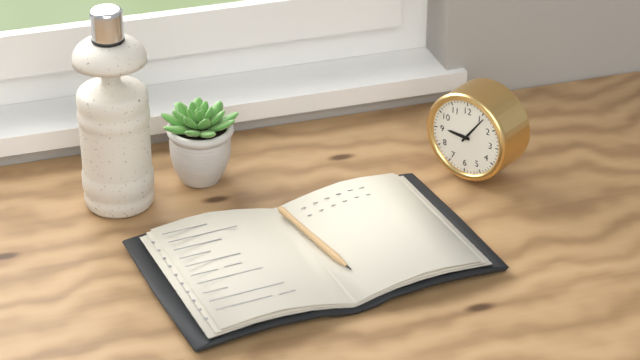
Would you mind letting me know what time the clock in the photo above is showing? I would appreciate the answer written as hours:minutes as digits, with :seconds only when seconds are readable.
9:06
